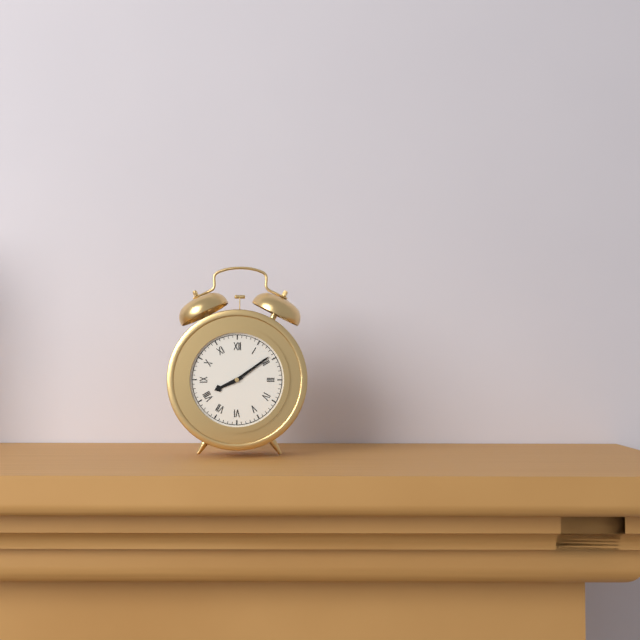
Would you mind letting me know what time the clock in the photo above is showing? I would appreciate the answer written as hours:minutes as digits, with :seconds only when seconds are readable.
8:09
